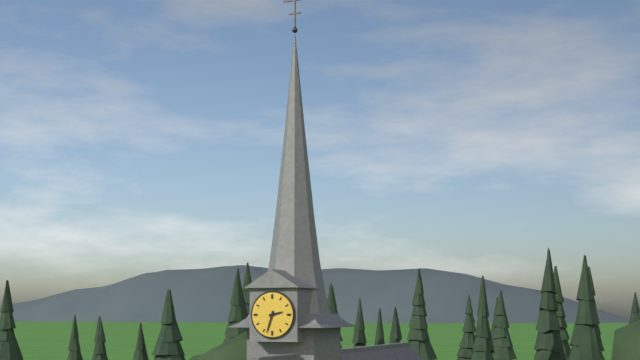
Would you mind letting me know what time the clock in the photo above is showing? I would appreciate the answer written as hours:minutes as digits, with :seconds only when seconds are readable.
2:33
